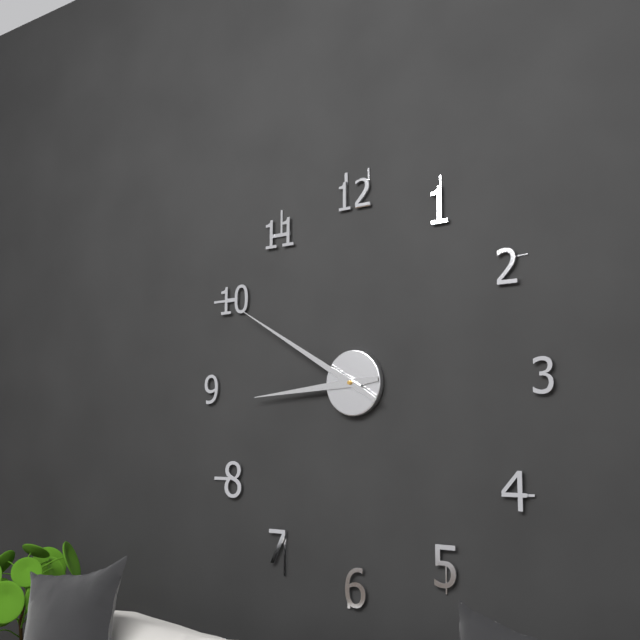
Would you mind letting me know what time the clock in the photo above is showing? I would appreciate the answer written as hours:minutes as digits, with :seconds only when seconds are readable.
8:50
